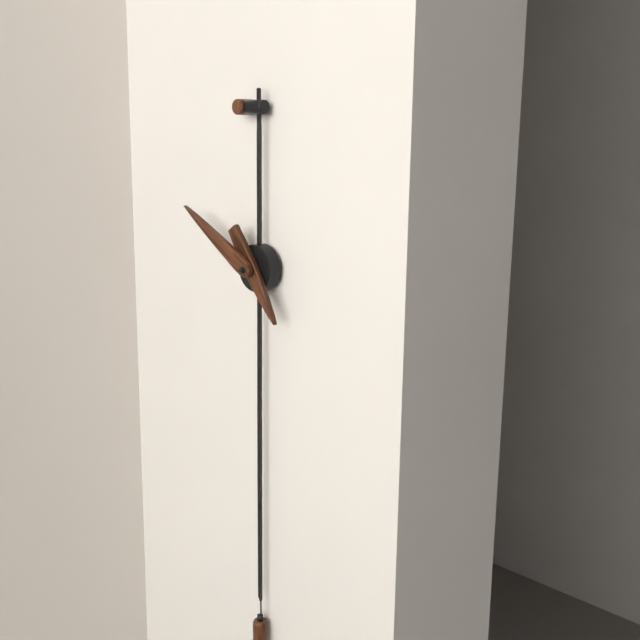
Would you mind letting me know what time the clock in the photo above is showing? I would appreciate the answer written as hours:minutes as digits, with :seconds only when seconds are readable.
4:50
